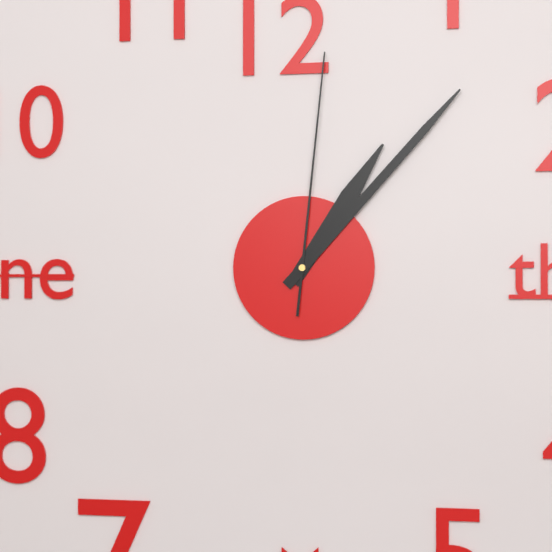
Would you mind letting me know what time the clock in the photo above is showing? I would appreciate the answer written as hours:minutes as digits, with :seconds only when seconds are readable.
1:07:01
